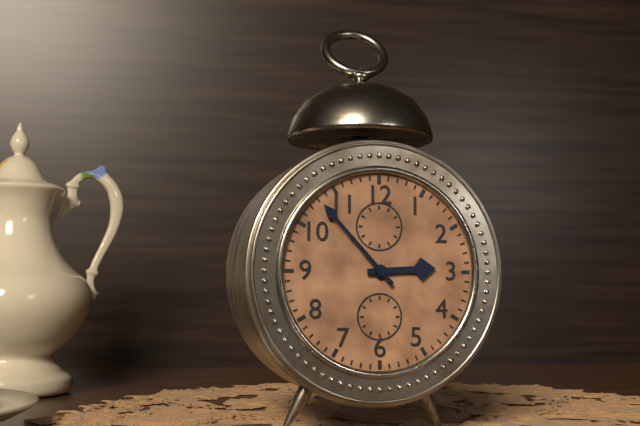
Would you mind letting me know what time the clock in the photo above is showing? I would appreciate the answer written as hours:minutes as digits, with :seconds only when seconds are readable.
2:53
